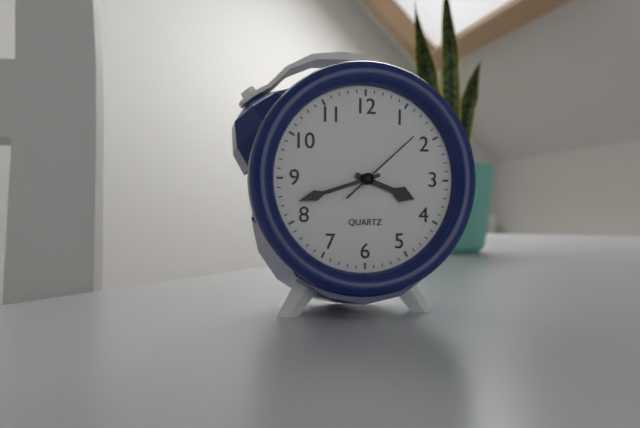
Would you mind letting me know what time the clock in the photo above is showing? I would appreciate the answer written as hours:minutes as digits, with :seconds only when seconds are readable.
3:42:08
